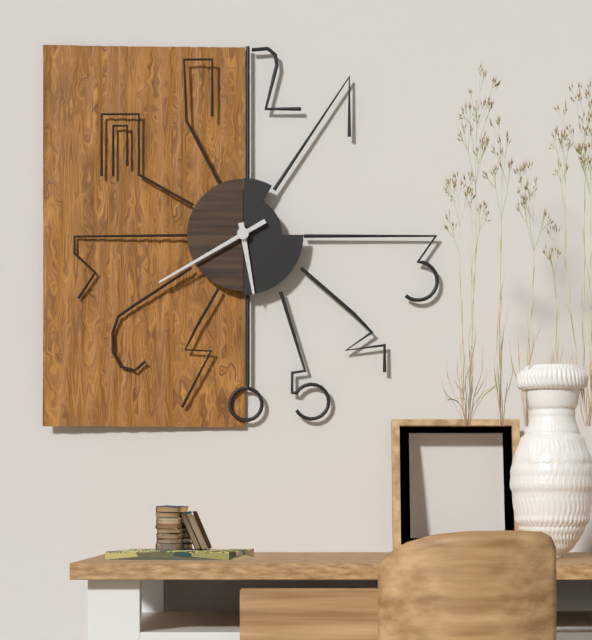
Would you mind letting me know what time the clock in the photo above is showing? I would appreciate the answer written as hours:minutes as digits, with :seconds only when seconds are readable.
5:40
